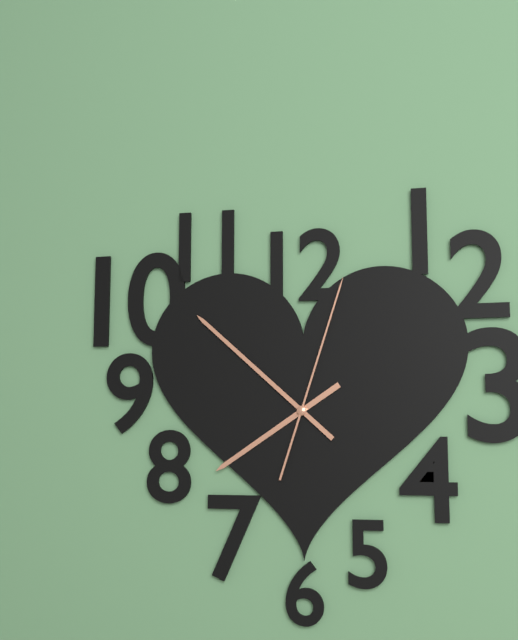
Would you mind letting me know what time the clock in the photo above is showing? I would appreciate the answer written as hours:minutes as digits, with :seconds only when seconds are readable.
7:52:03
